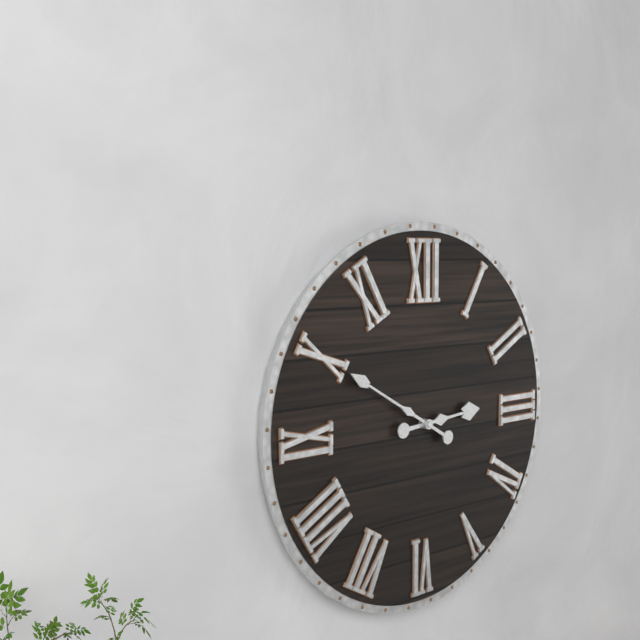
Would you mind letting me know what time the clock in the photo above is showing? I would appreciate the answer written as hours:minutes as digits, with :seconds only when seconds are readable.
2:50
